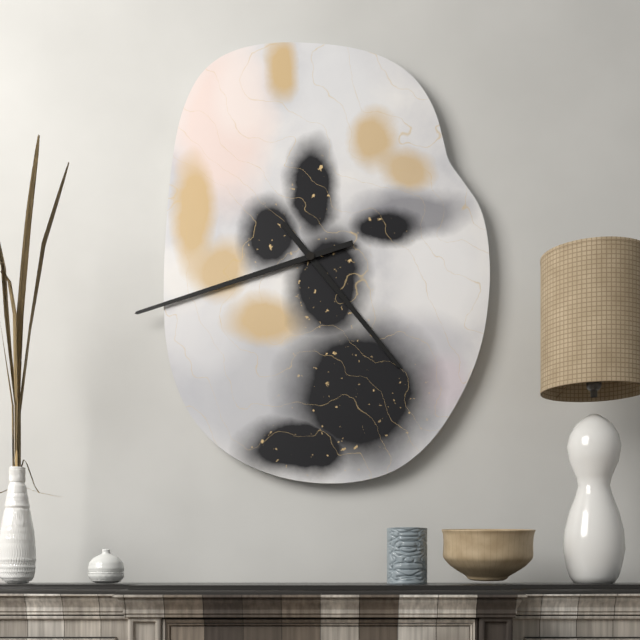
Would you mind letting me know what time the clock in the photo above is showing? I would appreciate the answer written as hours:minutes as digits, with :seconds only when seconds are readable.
4:42
